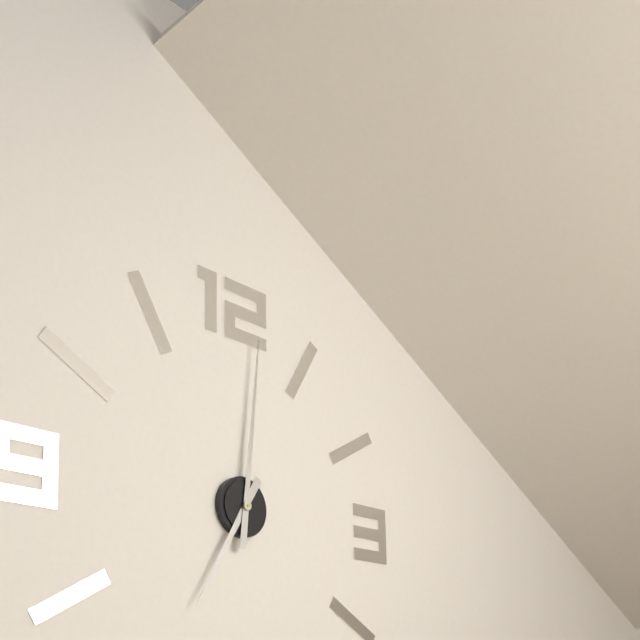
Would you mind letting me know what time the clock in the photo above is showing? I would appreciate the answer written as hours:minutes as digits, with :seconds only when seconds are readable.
7:01
